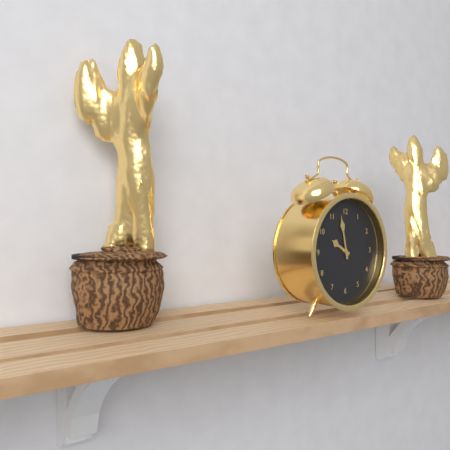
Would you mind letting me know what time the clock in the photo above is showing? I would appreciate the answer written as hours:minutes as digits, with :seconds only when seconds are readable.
9:58
